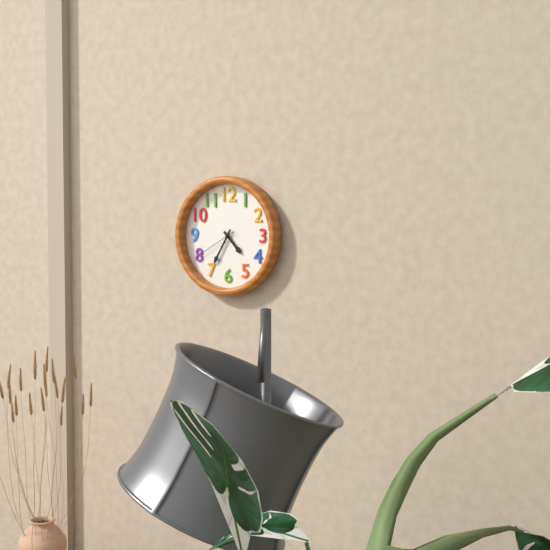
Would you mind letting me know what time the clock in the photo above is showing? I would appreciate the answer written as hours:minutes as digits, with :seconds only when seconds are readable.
4:35
